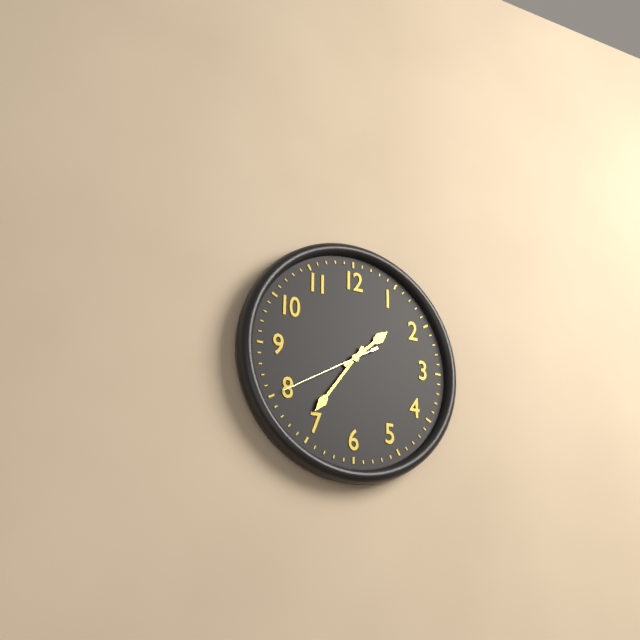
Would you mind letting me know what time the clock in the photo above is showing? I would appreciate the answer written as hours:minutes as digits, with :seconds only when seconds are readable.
1:36:40
